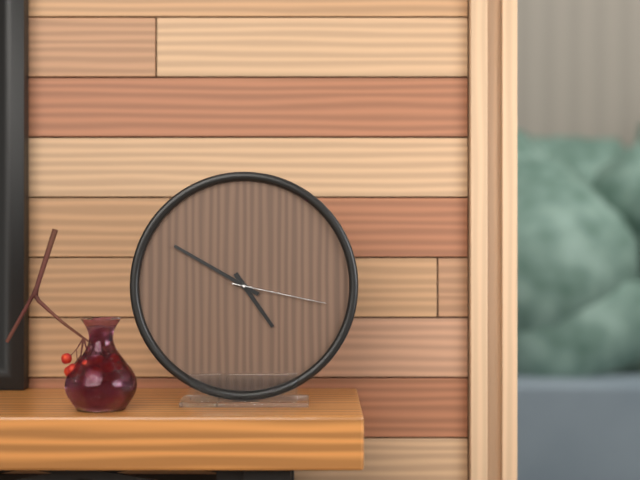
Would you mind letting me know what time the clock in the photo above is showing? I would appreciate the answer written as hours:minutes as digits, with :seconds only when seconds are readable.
4:50:17
